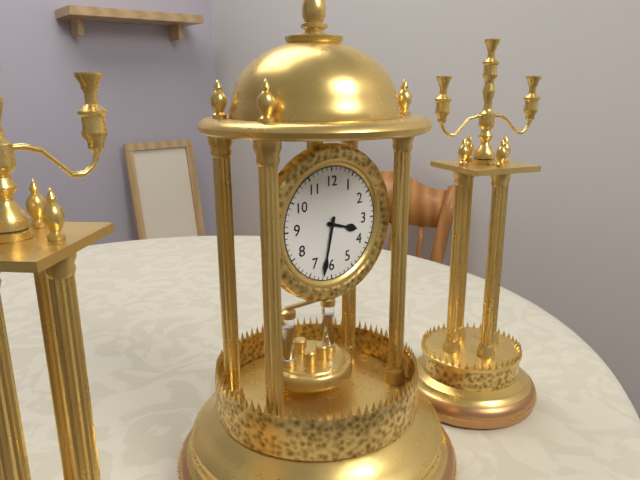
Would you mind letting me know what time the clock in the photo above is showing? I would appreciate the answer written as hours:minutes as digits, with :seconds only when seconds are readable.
3:32
